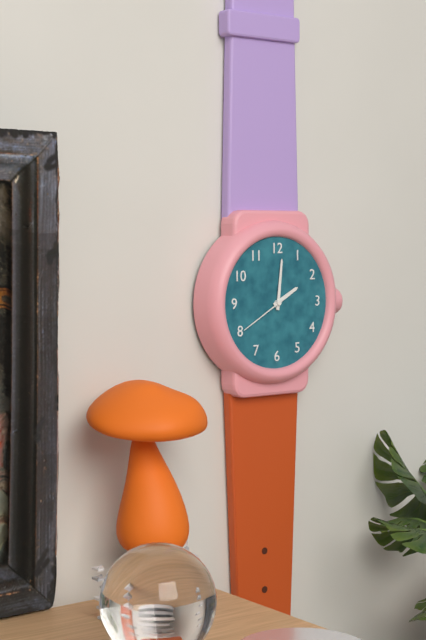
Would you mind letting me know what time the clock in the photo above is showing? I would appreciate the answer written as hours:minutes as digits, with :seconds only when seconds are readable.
2:01:40
